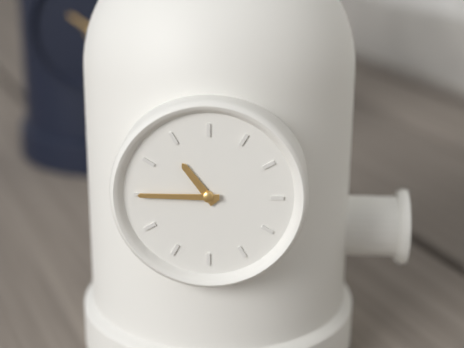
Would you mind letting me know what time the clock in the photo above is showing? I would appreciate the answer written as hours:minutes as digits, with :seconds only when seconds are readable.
10:45
